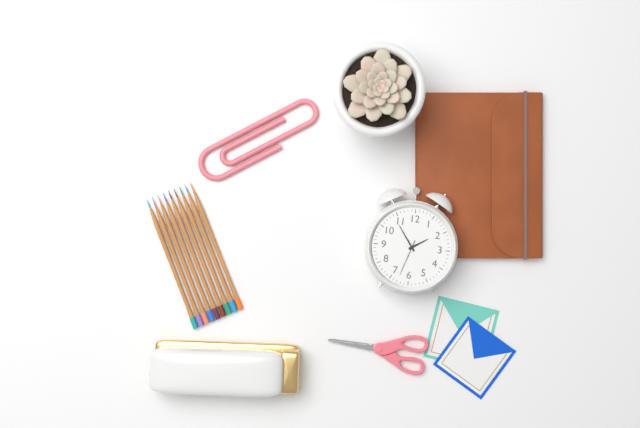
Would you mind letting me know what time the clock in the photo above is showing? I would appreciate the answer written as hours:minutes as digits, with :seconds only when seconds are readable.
1:54
